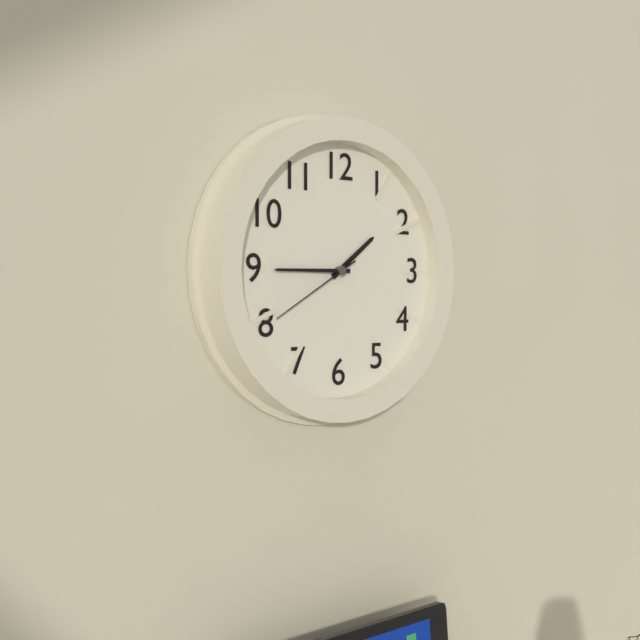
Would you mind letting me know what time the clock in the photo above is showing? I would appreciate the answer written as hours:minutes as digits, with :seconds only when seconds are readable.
1:45:40
